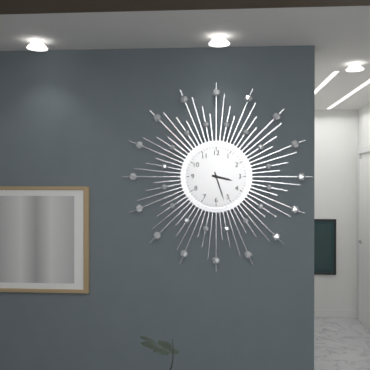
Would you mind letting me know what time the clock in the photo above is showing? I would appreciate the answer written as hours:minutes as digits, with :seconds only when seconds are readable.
3:27
